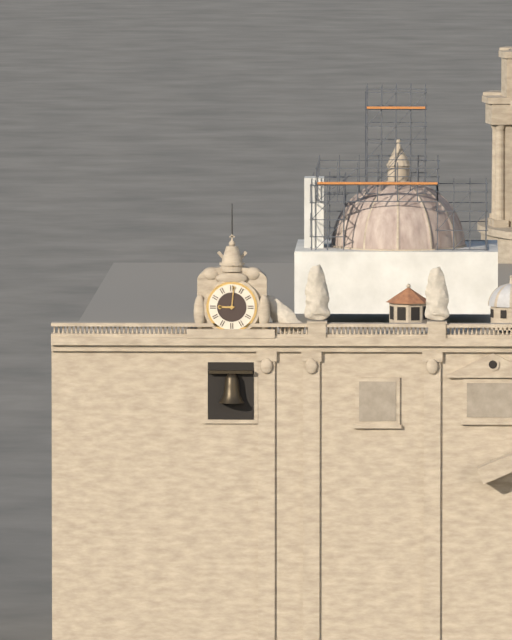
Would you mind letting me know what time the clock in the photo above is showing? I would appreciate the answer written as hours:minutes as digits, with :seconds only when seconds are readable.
9:01
